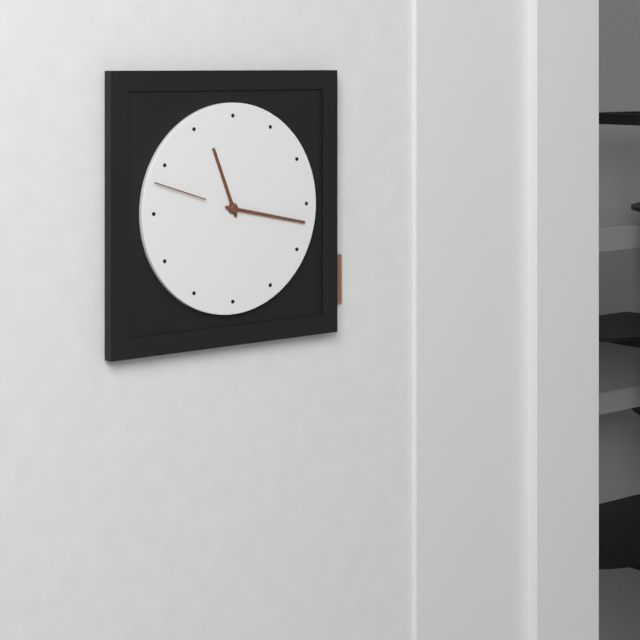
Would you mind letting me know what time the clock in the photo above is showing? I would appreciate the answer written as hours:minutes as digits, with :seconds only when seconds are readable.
11:17:48
